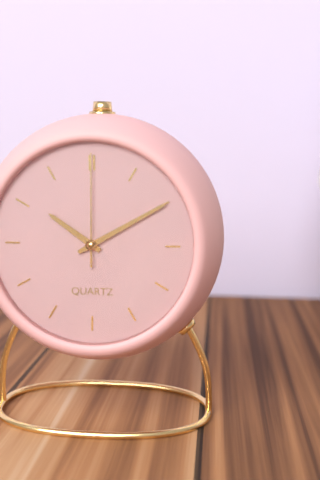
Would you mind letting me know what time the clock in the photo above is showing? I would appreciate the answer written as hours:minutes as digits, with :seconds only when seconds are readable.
10:10:00
